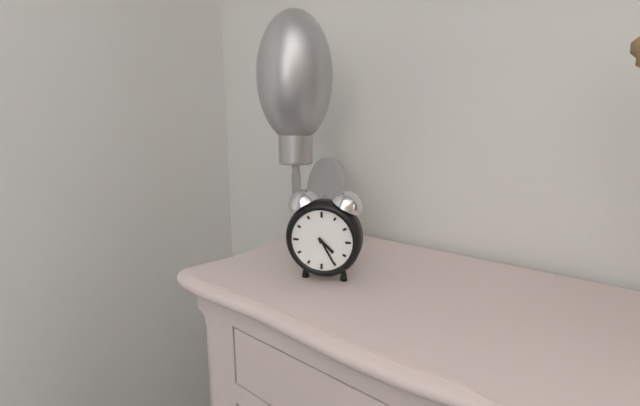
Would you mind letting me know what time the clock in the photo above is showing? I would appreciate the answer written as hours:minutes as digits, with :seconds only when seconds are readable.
4:25
